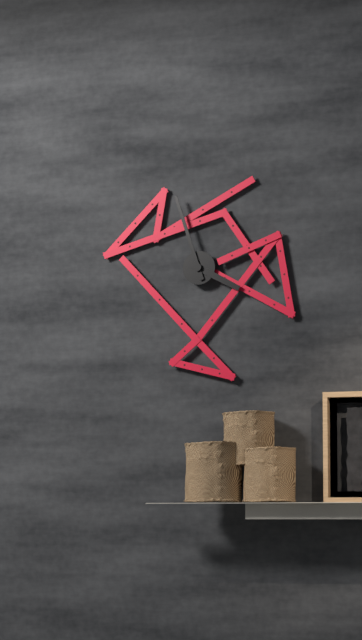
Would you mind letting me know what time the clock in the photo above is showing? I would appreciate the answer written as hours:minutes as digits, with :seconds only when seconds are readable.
3:57
